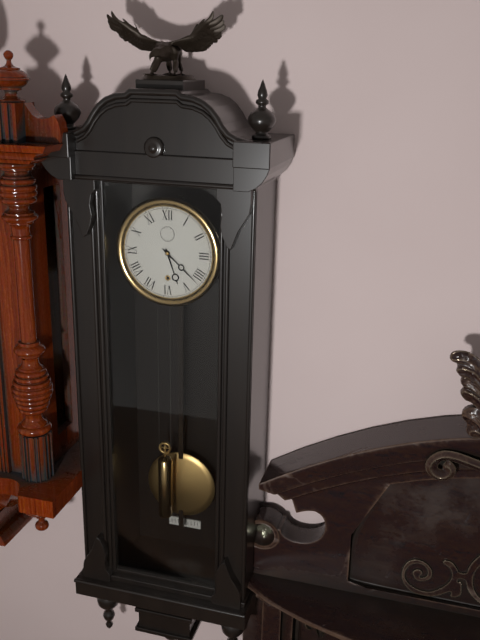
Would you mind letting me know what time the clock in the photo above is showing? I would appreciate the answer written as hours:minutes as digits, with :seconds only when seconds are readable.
5:22
